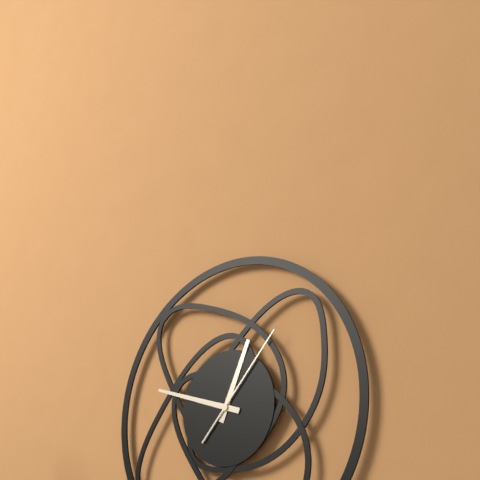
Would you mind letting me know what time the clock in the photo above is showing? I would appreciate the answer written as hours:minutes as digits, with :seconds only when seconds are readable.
12:48:07
